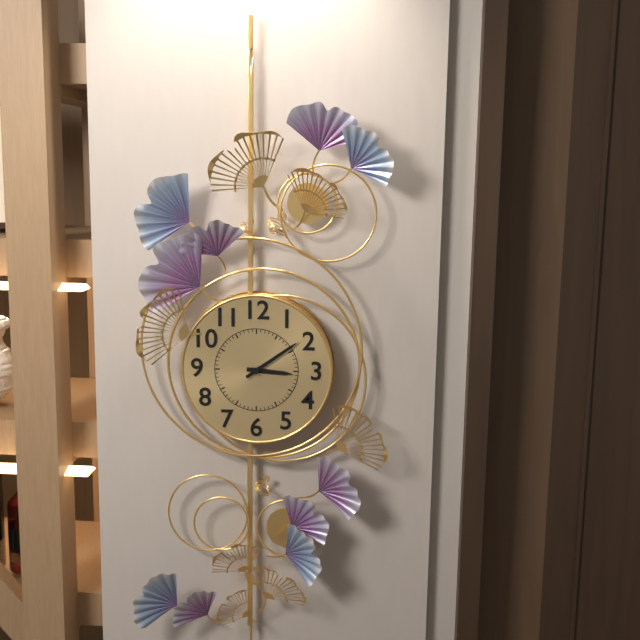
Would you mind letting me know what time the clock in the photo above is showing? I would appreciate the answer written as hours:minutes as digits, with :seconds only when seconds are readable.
3:09
